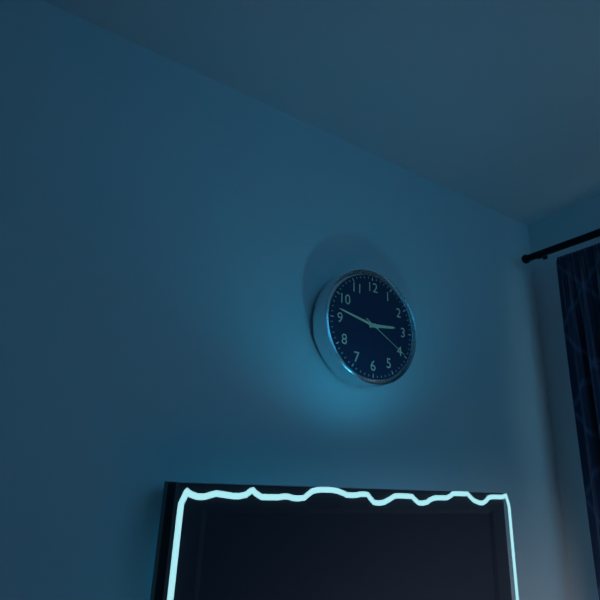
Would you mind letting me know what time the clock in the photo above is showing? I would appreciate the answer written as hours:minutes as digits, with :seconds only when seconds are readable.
2:47:20
